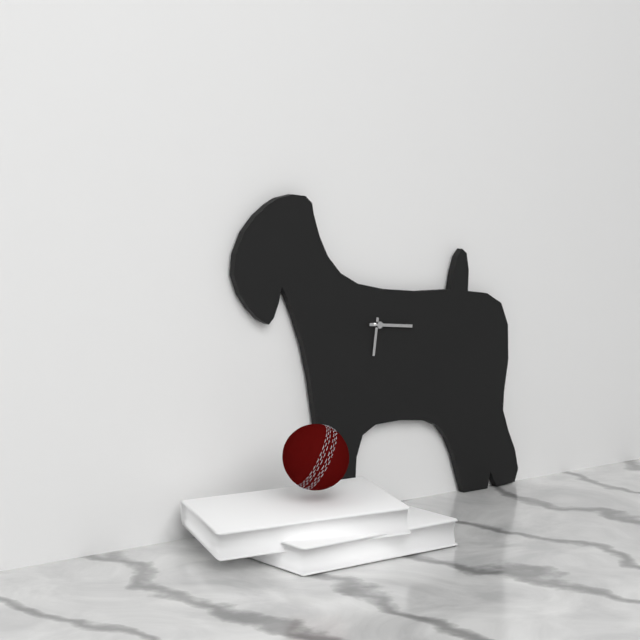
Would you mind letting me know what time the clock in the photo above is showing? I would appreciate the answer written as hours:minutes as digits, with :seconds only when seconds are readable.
6:16
